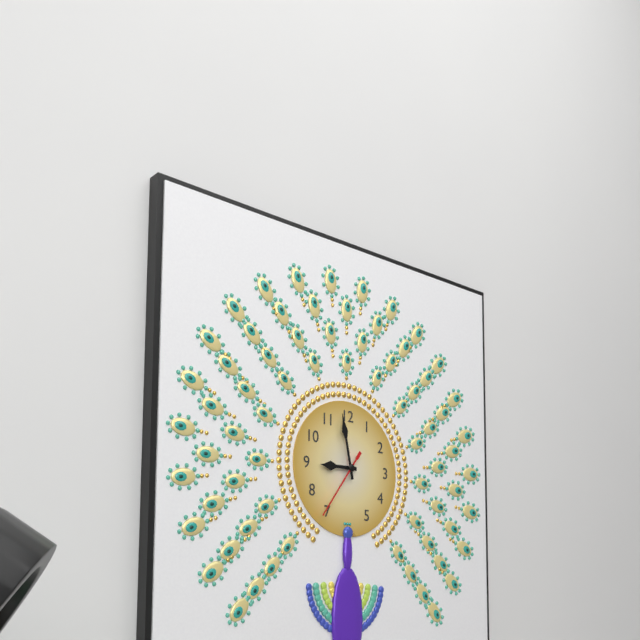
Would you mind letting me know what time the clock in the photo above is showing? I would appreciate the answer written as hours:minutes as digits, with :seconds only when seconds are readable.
8:58:36
